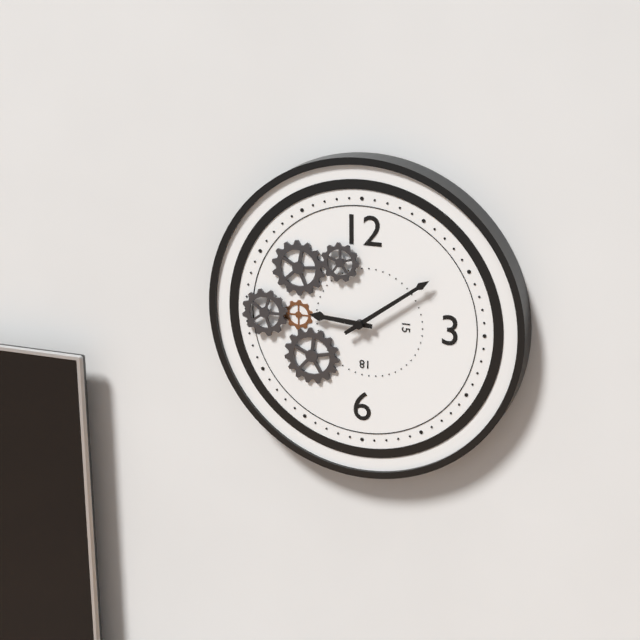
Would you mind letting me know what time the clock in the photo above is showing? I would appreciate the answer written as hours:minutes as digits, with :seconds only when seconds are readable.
9:09
